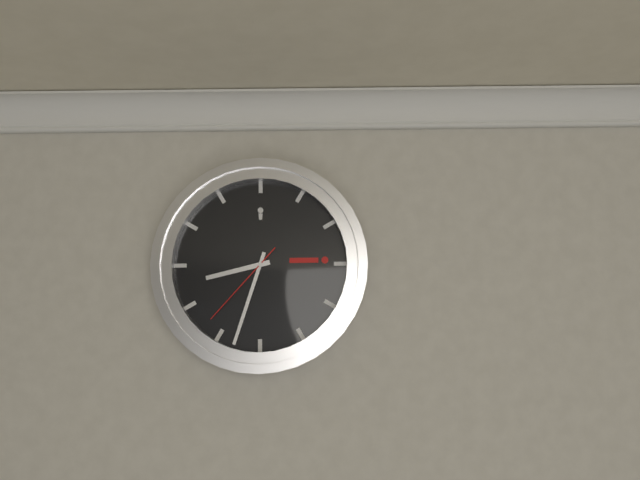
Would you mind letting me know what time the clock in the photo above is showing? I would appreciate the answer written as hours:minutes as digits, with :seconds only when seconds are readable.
8:33:37
